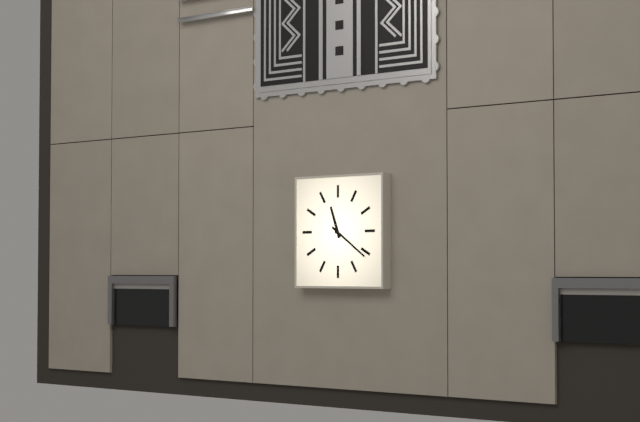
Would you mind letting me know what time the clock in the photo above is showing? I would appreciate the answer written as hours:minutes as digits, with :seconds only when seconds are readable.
11:21
